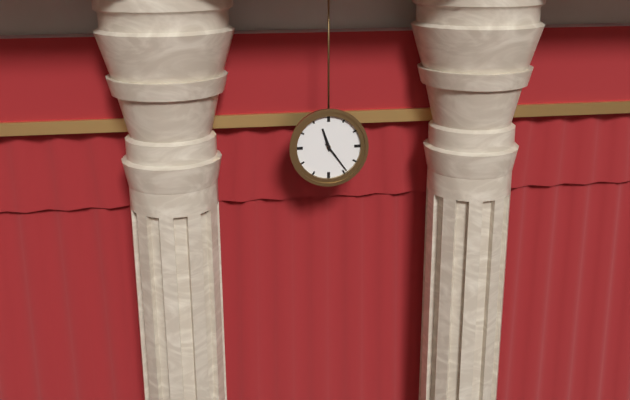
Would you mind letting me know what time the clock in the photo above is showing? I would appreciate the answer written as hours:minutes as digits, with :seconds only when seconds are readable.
11:24
